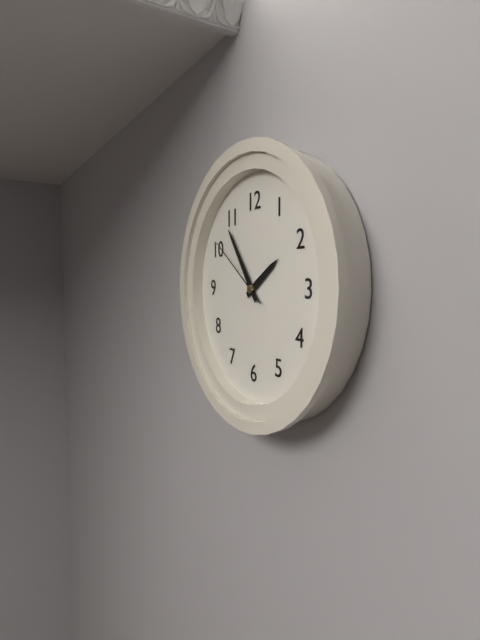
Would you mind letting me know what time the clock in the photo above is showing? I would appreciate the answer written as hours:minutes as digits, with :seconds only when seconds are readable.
1:54:51
